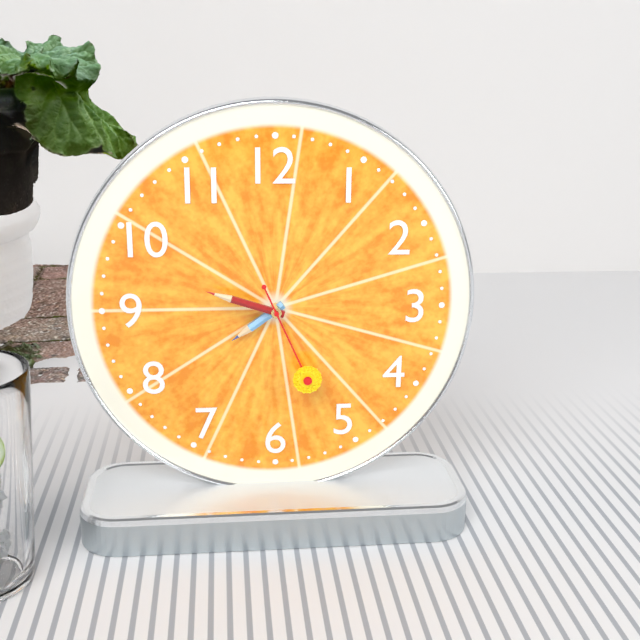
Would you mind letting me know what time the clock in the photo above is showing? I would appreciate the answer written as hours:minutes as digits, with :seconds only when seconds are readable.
7:48:26
